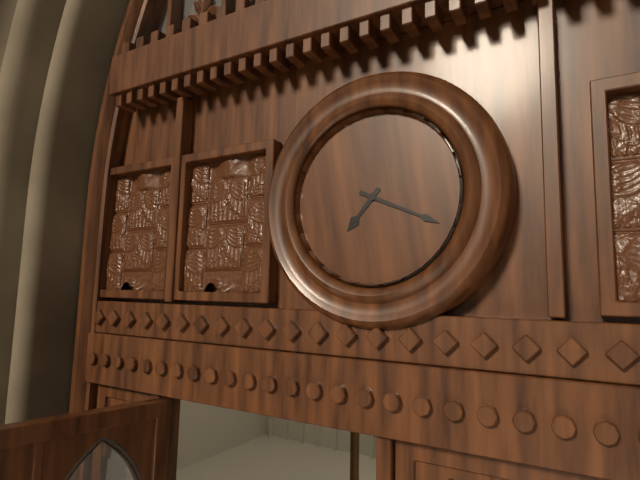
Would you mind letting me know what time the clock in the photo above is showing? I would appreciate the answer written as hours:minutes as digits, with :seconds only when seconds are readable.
7:19
